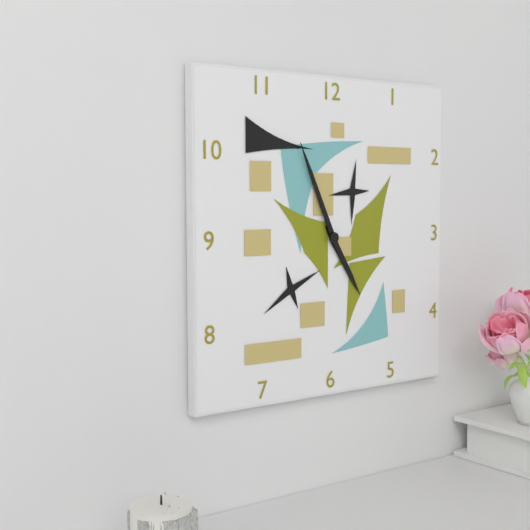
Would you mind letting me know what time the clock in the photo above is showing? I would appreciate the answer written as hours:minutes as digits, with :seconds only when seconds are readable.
4:56
